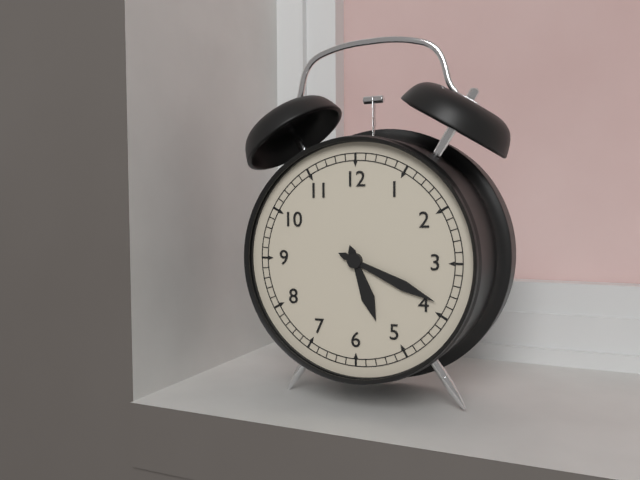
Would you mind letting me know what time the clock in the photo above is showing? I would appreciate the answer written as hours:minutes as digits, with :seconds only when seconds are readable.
5:19
